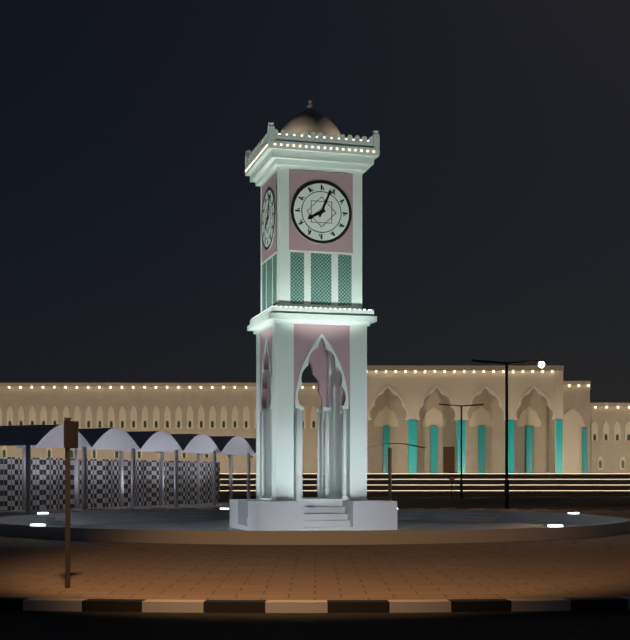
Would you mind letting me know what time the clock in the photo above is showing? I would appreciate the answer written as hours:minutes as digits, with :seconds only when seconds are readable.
8:04
